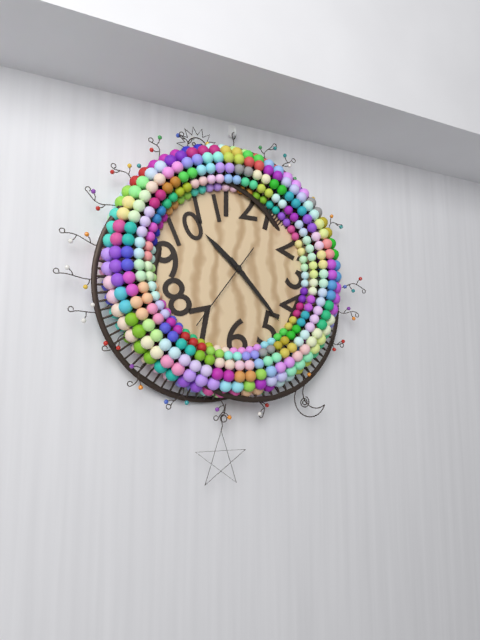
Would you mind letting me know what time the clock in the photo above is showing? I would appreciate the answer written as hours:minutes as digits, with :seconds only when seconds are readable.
10:23:36
